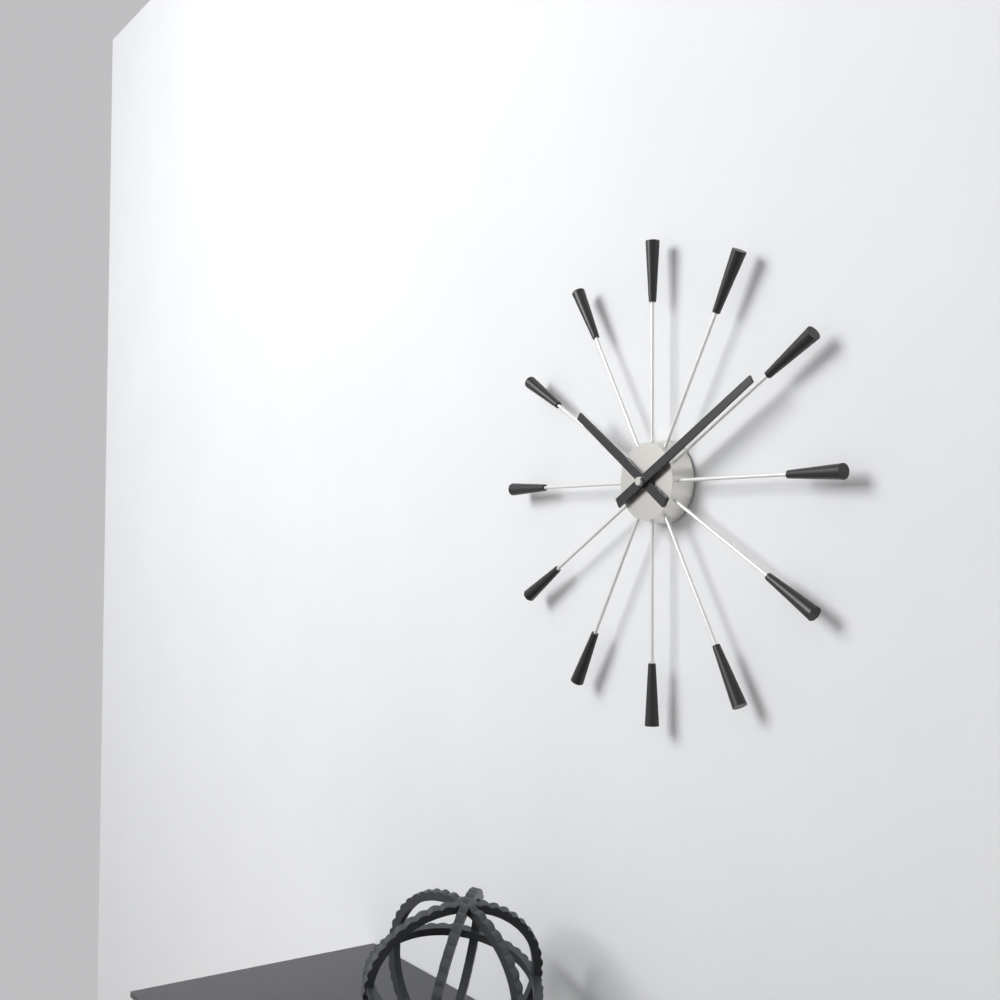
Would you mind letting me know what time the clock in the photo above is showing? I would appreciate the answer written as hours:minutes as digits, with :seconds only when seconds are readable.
10:10
